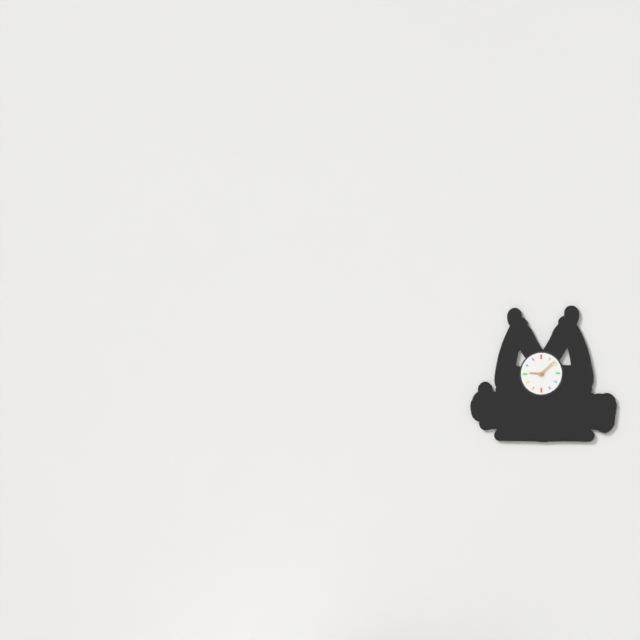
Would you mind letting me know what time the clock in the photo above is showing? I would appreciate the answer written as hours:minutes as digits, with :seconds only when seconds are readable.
9:08
